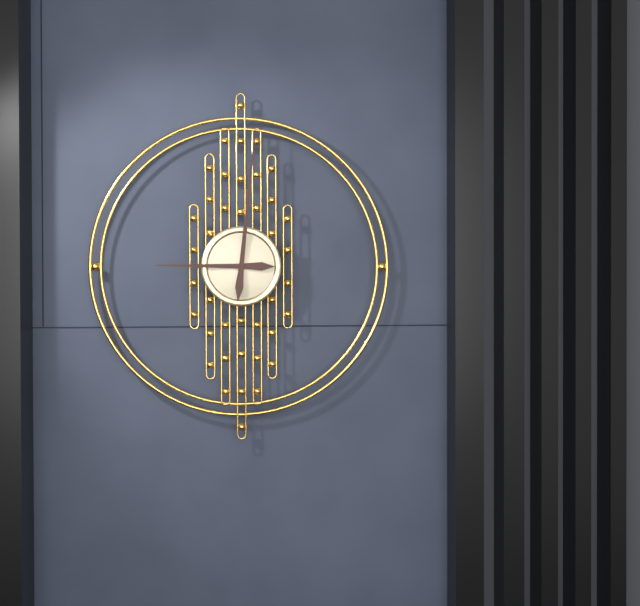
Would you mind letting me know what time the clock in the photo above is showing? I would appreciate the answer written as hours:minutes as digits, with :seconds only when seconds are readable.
9:01
